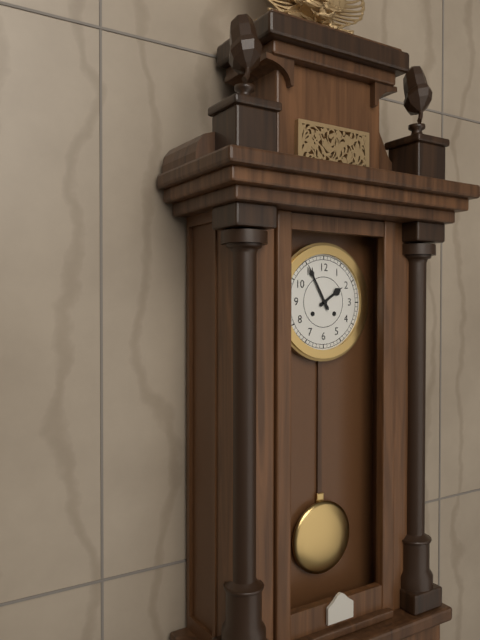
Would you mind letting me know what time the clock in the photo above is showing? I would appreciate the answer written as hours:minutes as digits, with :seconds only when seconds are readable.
1:55
